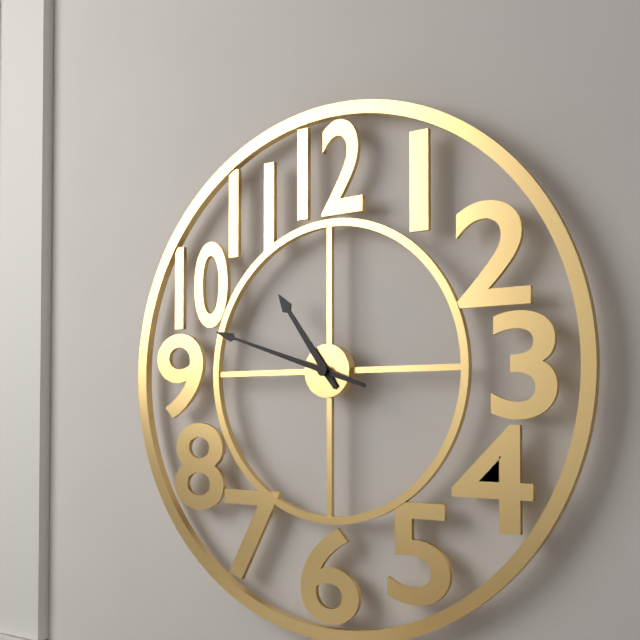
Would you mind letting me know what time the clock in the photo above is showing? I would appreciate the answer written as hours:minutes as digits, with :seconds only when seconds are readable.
10:48
